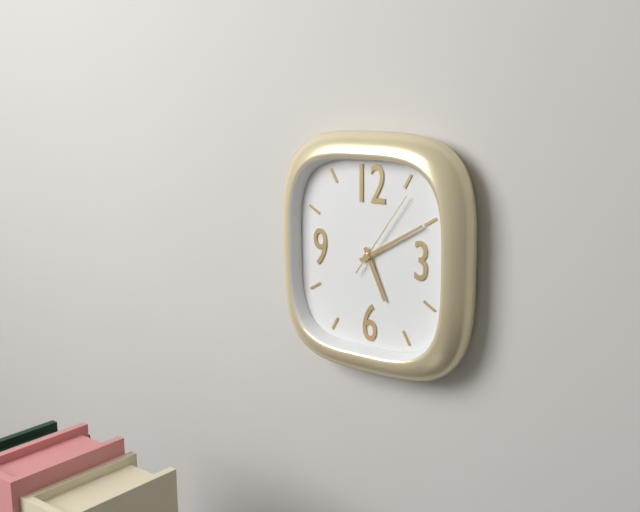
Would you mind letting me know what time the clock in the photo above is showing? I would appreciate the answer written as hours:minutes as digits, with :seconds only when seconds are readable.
5:10:06
